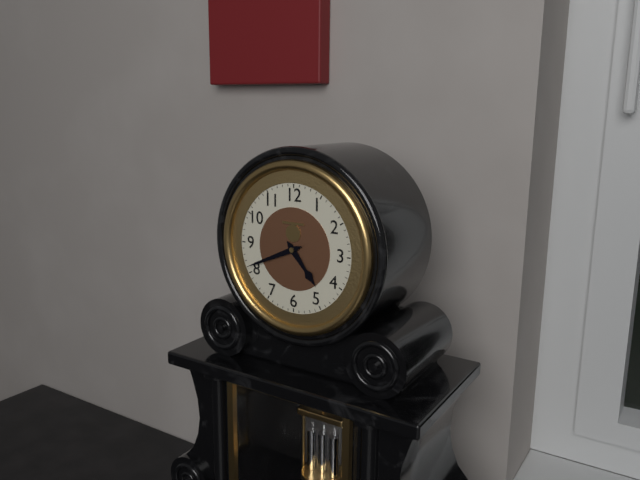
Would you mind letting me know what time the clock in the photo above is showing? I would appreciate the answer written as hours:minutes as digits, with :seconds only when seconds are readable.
4:41
